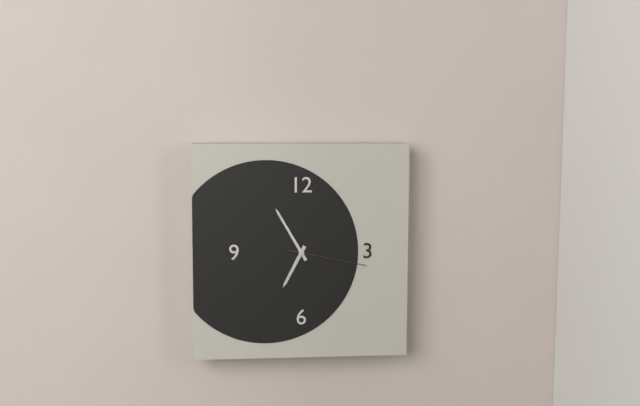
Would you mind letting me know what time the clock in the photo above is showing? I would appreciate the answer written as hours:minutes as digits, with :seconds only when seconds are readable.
6:55:17
